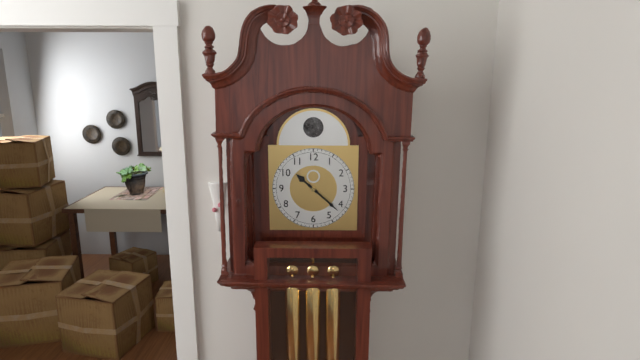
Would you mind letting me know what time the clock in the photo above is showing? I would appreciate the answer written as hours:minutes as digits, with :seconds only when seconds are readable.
10:22
